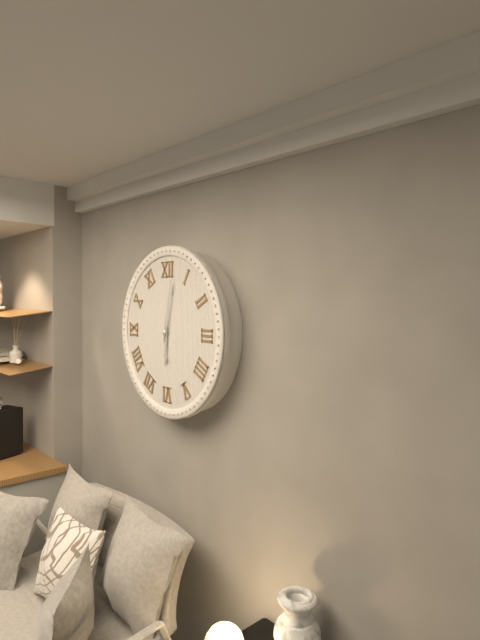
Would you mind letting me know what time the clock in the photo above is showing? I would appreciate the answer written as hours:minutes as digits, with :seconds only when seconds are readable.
6:02
